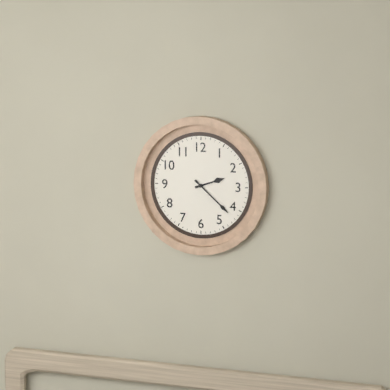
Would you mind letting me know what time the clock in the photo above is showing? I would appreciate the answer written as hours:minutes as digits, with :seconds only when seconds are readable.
2:22
